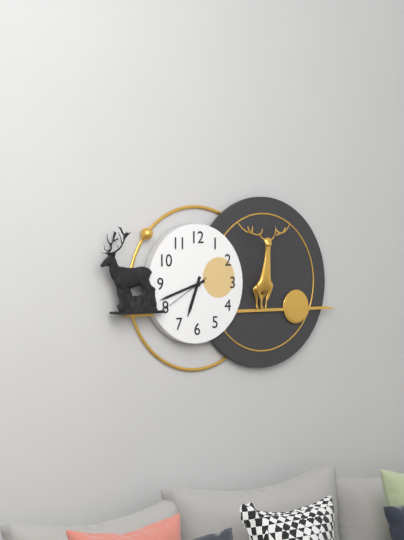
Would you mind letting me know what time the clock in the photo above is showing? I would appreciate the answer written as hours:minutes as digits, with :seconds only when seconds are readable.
6:42:40
